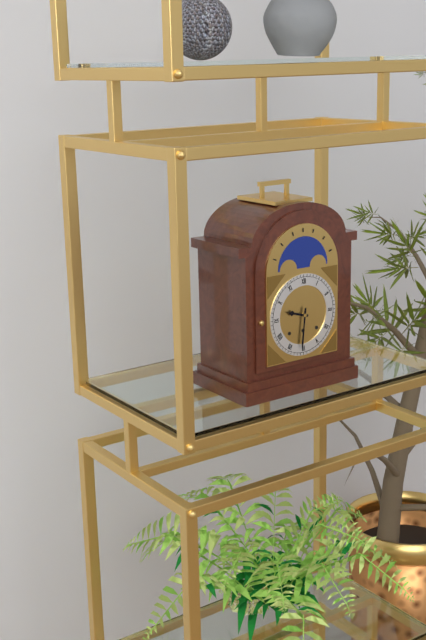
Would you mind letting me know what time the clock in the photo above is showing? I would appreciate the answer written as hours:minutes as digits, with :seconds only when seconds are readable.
9:31
